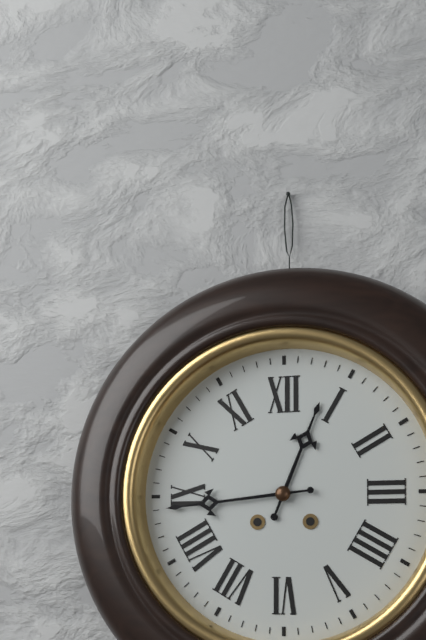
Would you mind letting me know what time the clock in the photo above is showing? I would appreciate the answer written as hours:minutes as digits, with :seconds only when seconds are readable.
12:44
